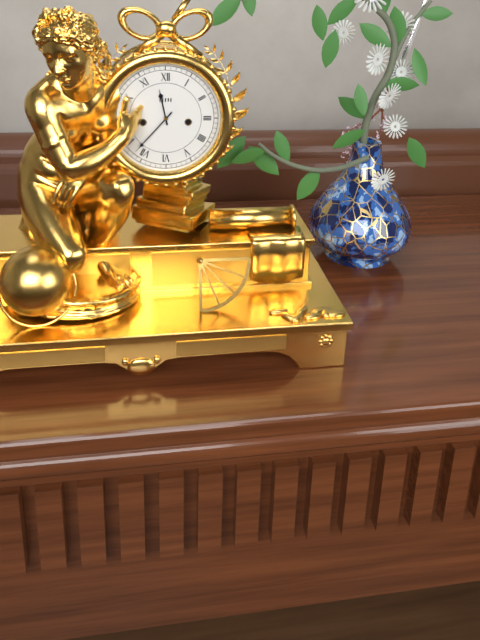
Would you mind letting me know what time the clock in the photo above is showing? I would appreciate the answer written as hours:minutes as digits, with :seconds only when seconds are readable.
11:37
